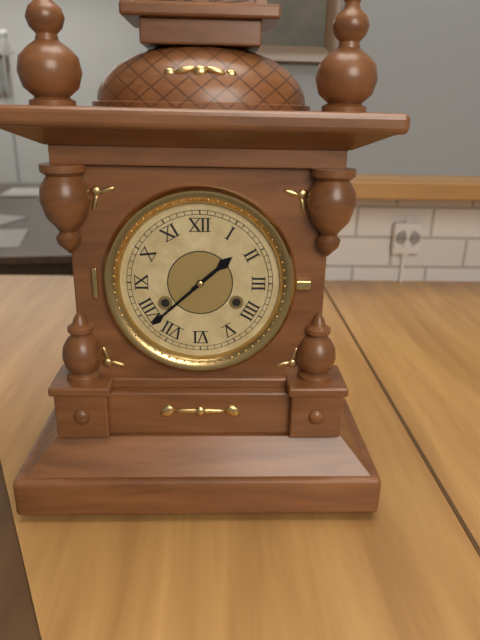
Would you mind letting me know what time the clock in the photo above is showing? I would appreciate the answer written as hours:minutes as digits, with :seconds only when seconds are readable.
1:38
